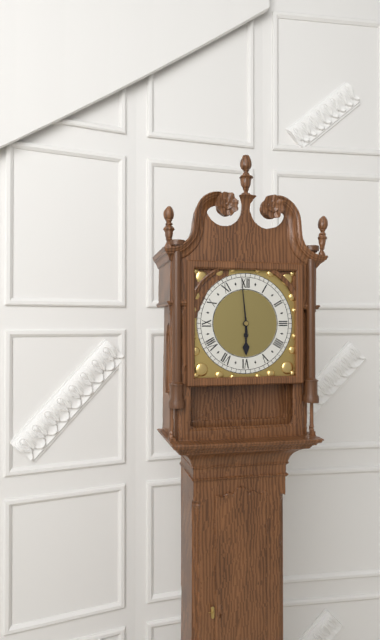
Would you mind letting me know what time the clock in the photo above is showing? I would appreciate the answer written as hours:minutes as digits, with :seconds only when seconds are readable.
5:59
